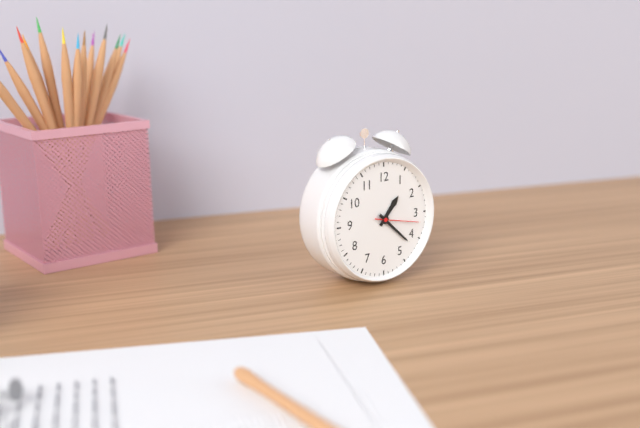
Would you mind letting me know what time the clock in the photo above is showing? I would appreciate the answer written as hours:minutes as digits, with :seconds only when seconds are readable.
1:22
